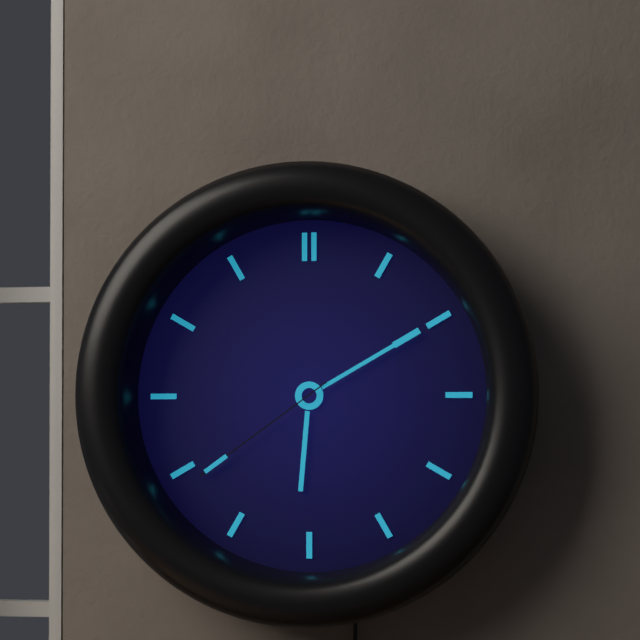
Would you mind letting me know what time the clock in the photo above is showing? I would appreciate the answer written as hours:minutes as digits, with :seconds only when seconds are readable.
6:10:39
